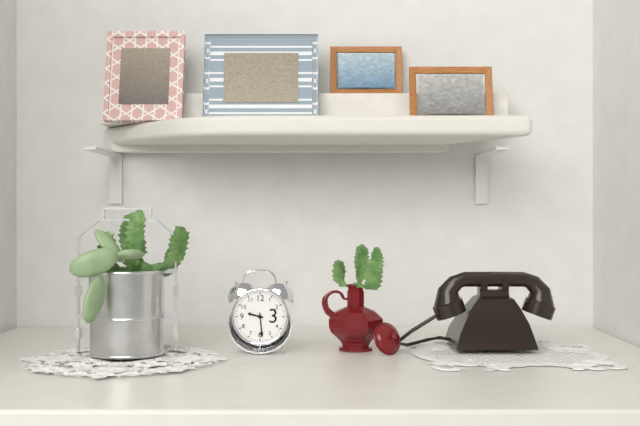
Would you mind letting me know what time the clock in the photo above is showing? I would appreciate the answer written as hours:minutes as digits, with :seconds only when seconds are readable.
9:29
